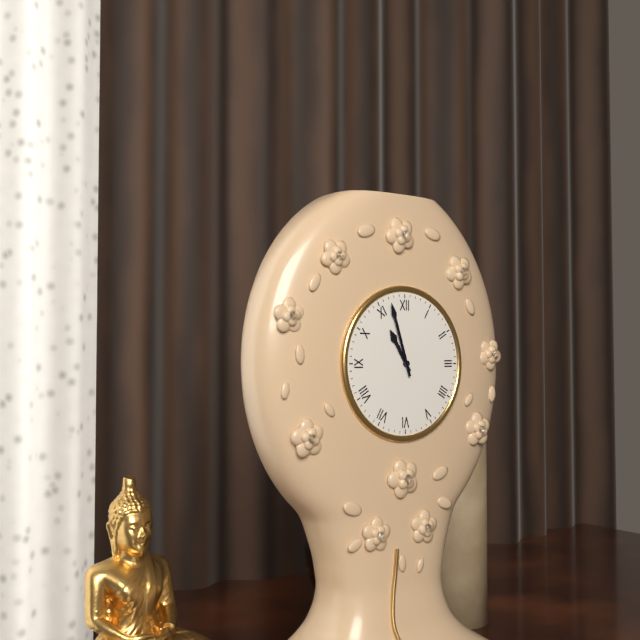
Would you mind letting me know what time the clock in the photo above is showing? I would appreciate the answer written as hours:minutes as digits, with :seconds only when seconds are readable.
10:57
